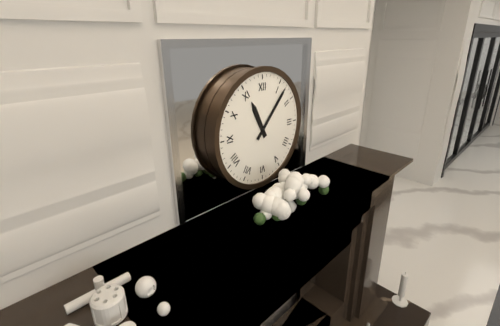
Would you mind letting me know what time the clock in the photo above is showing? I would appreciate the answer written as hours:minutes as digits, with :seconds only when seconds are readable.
11:07
